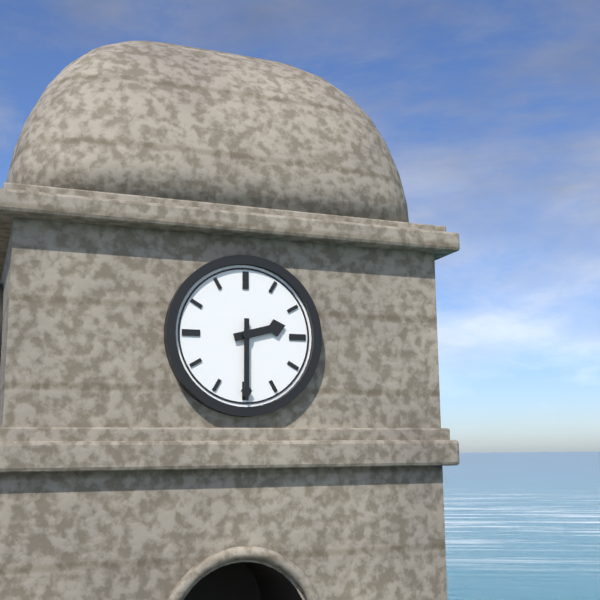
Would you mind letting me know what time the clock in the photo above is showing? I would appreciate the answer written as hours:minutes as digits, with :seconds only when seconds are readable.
2:30
